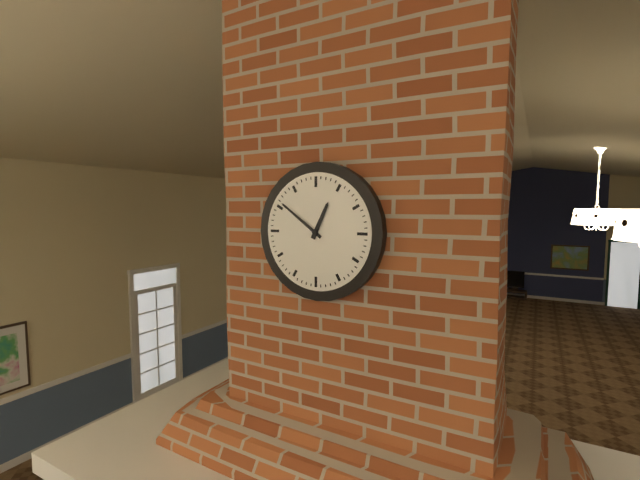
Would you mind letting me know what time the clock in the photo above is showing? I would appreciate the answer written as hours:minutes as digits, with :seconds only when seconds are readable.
12:51
